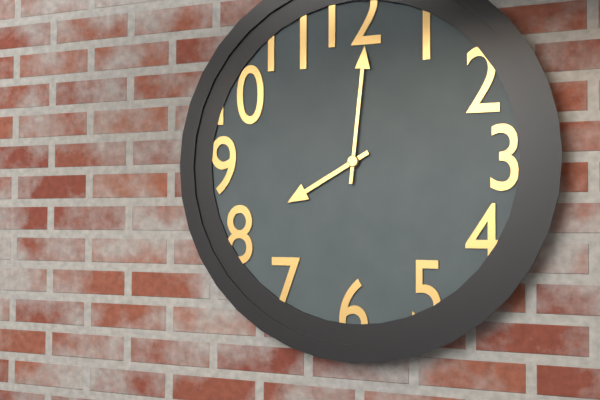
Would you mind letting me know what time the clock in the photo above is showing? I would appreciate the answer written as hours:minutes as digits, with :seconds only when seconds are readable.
8:01
